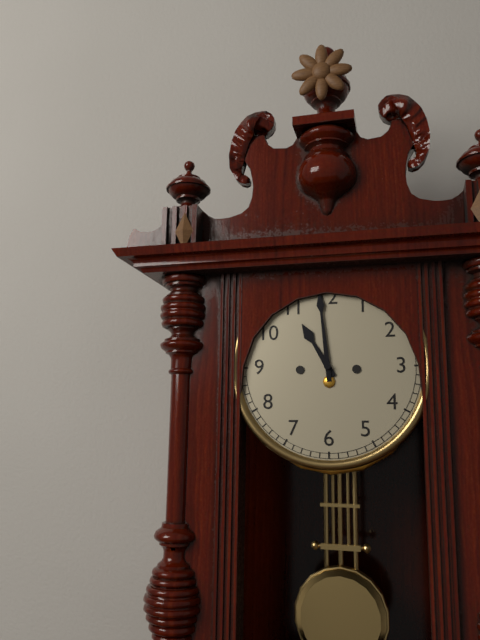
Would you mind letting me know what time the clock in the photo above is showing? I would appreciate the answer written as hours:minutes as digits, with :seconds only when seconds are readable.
10:59
